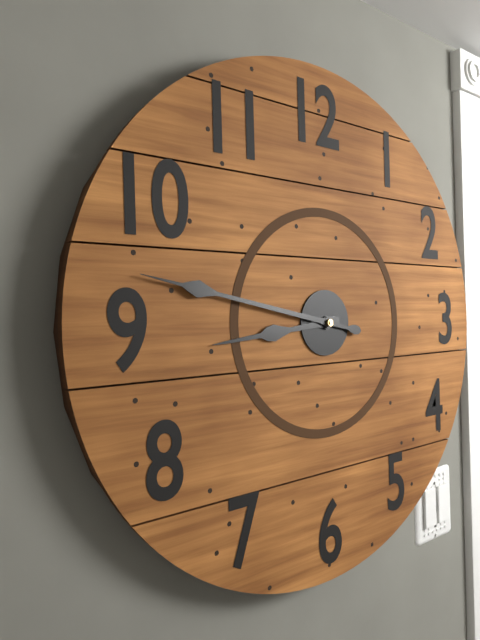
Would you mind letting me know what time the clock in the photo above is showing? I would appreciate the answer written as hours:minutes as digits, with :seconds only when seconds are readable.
8:47
